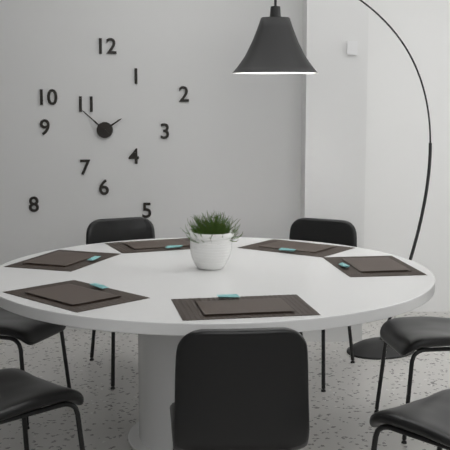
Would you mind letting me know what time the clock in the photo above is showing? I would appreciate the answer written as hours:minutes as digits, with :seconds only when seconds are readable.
1:52
